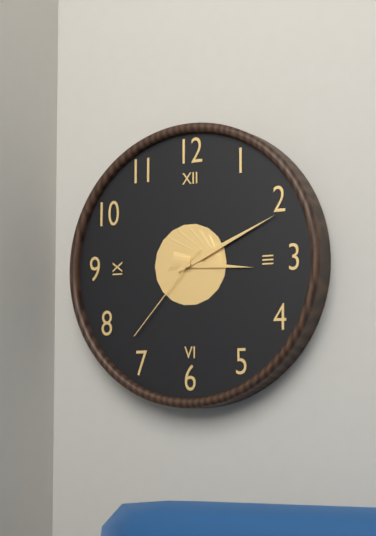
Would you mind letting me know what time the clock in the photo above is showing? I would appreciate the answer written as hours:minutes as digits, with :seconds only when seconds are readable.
3:11:37
